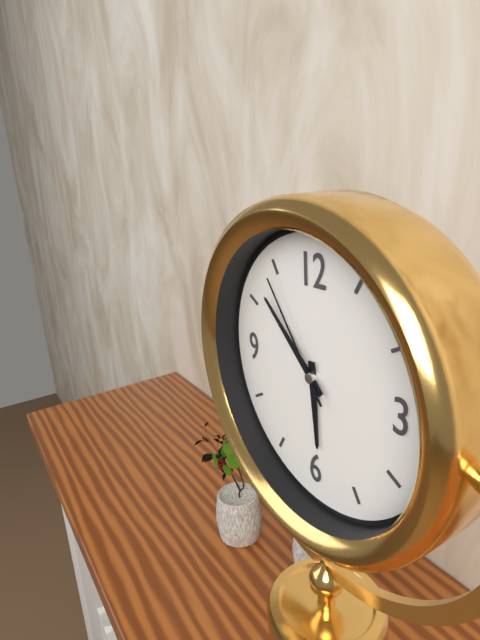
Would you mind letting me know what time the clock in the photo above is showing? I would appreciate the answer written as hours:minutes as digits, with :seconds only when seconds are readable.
5:52:54
